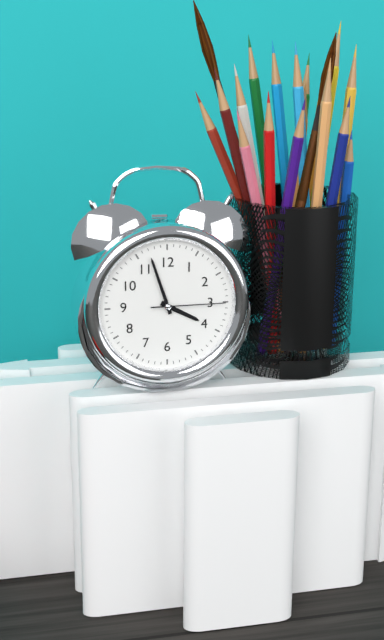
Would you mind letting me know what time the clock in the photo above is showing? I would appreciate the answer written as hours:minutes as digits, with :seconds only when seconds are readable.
3:57:15
